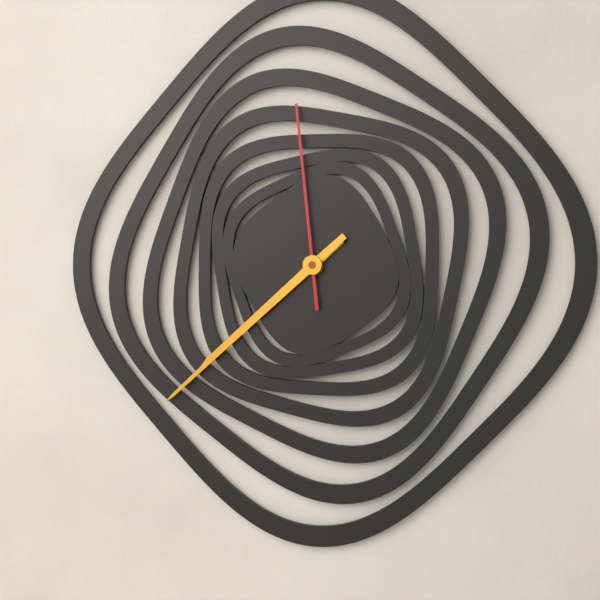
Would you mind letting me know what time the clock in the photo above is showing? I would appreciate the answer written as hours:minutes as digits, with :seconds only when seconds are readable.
7:38:59
